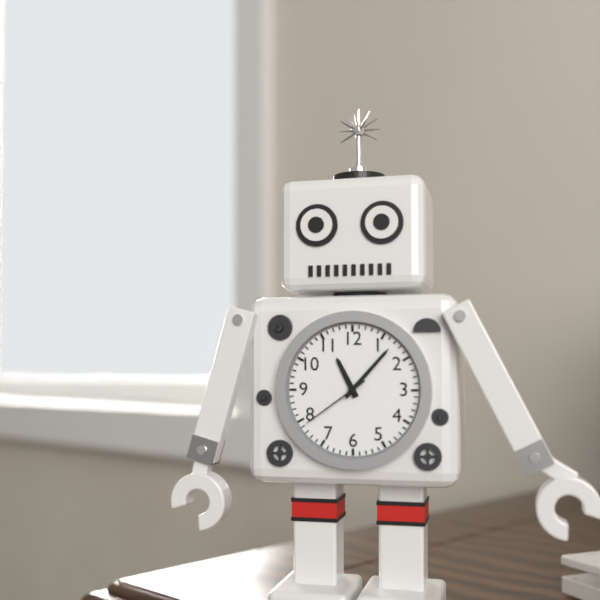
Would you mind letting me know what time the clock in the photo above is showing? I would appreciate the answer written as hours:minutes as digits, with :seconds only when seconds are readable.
11:07:39
